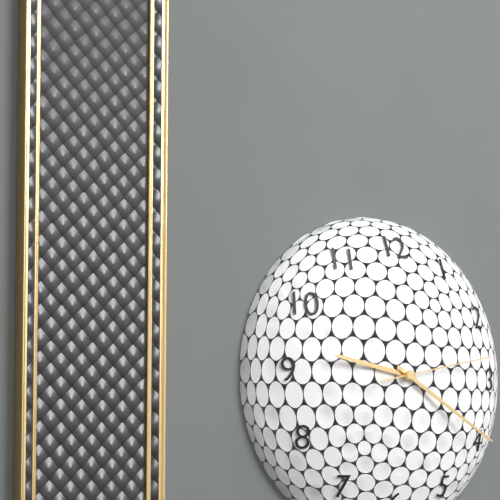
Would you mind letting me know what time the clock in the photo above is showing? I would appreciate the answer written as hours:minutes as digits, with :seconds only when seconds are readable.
9:20:13
